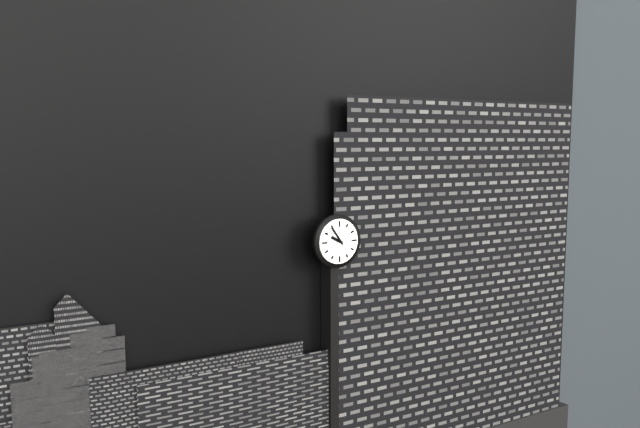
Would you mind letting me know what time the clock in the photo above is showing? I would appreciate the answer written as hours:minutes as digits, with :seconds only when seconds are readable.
9:54
